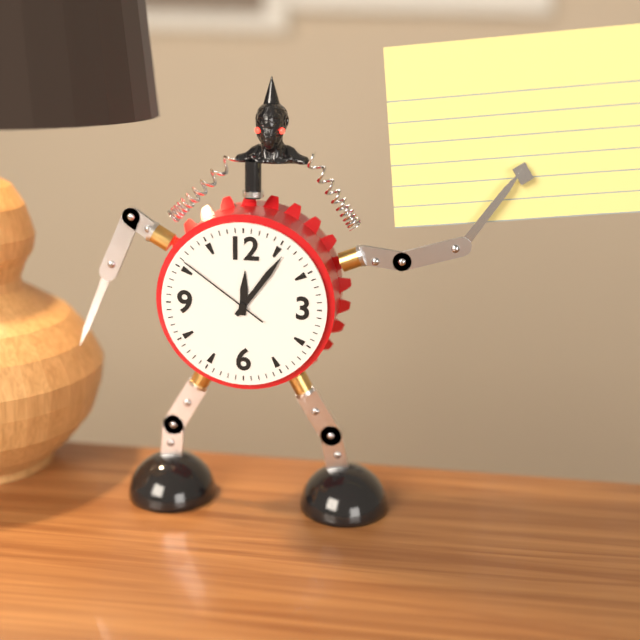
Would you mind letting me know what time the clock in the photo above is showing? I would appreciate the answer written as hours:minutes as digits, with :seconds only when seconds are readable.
12:06:51
